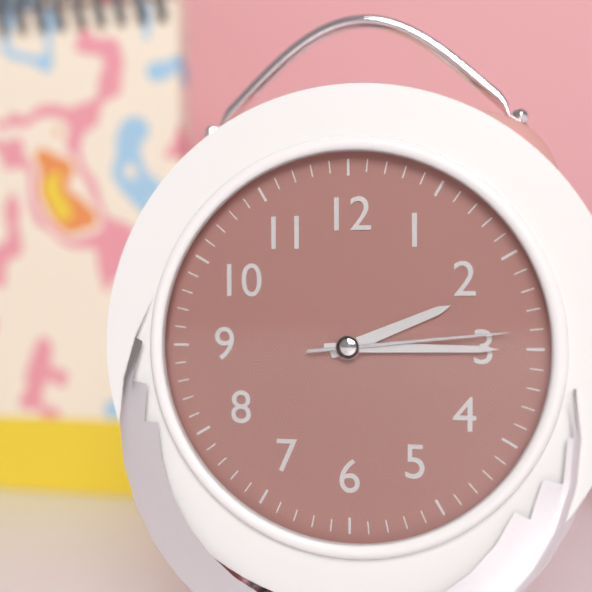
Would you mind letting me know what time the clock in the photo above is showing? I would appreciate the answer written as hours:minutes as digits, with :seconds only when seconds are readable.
2:15:14
